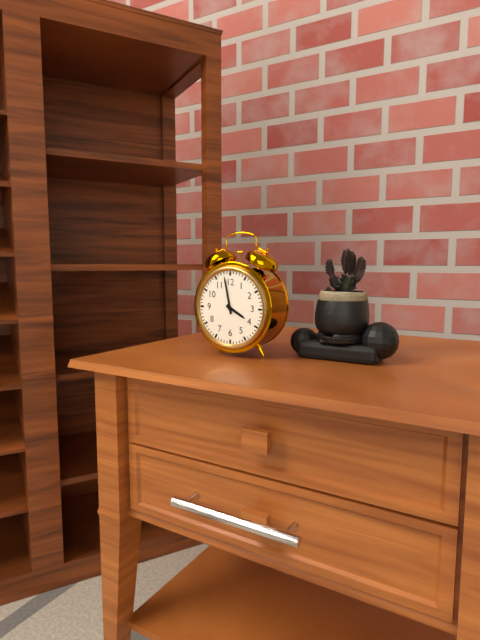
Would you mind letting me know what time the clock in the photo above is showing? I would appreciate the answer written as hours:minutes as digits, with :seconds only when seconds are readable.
3:58
